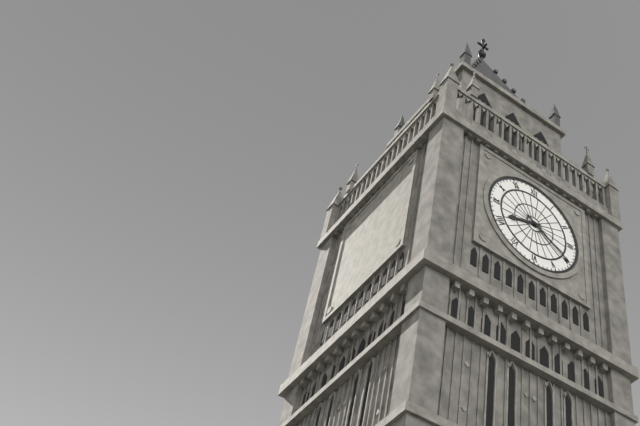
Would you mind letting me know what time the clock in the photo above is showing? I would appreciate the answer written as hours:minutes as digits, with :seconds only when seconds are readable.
8:20
